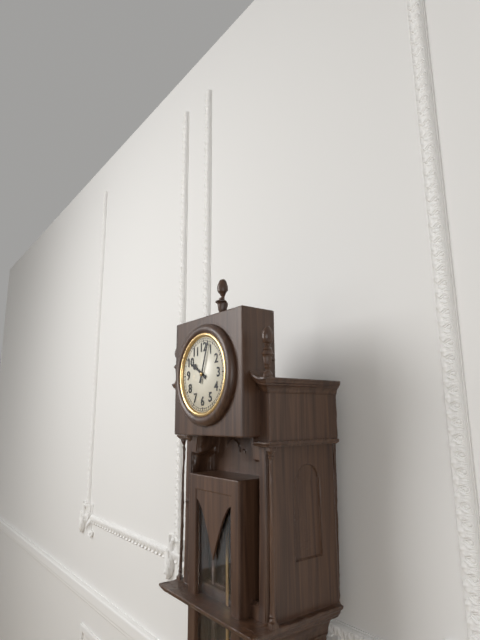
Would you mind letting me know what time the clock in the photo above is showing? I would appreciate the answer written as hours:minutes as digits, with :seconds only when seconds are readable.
10:03
